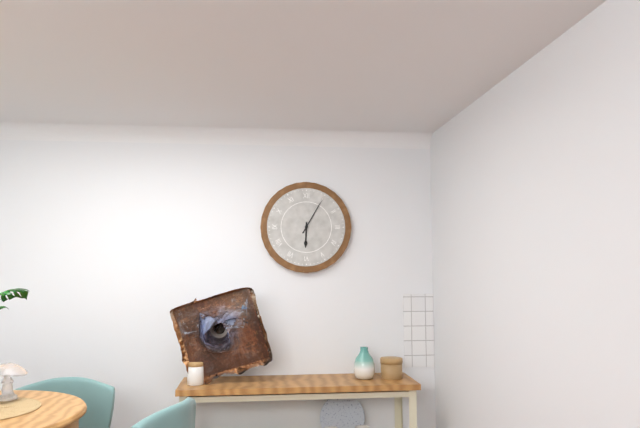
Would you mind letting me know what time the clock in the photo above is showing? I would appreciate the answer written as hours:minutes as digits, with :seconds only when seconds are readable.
6:05
